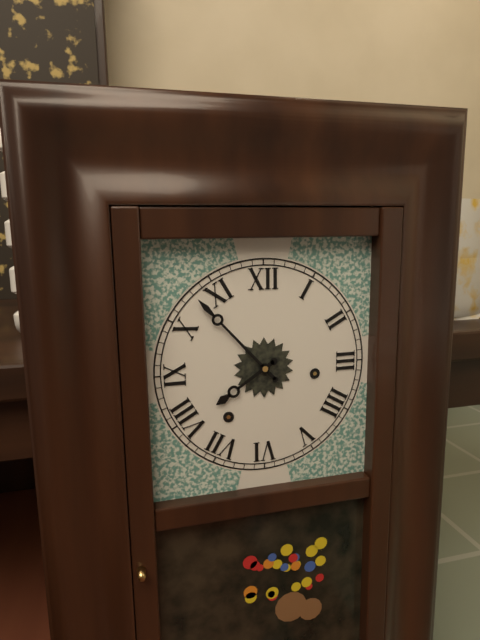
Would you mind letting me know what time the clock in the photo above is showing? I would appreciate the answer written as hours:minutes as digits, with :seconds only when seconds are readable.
7:53
